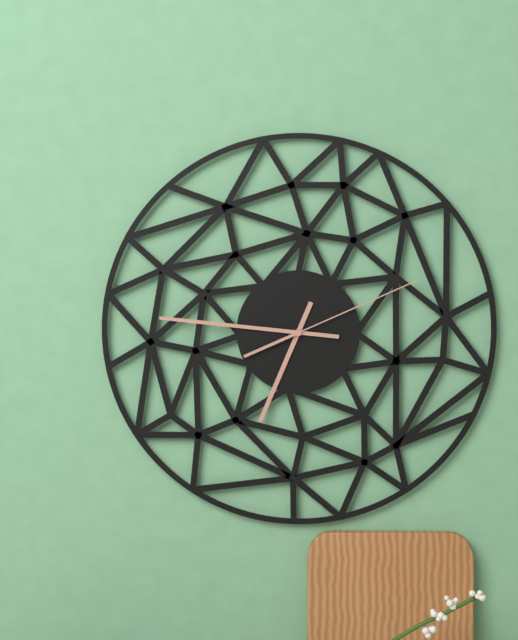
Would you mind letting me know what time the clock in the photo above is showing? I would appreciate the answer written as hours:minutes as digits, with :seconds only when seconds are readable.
6:46:11
